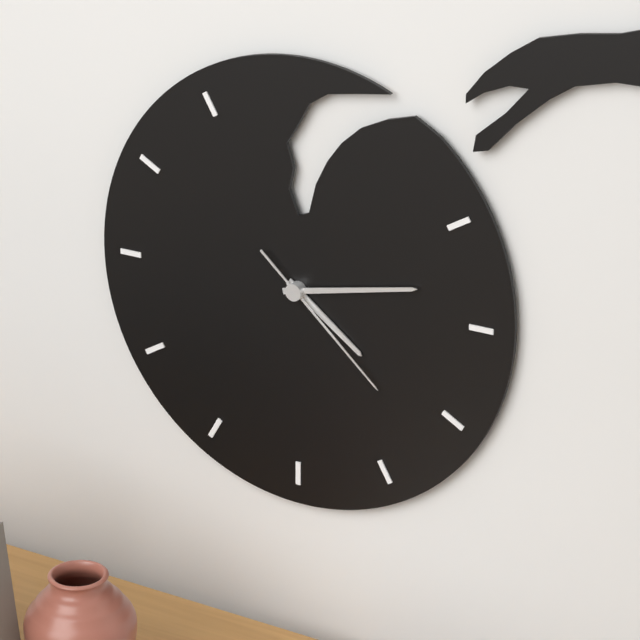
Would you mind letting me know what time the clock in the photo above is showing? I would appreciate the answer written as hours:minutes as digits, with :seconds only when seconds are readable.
4:13:22
